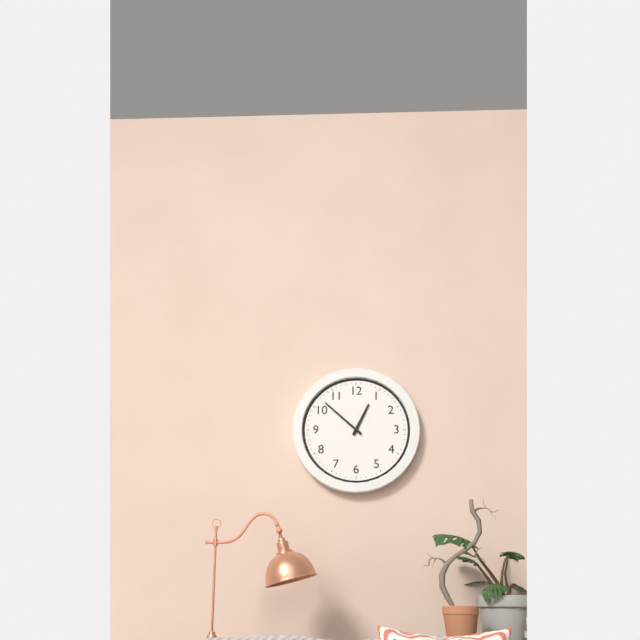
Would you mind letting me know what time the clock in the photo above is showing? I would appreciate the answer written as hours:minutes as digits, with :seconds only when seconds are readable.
12:52
